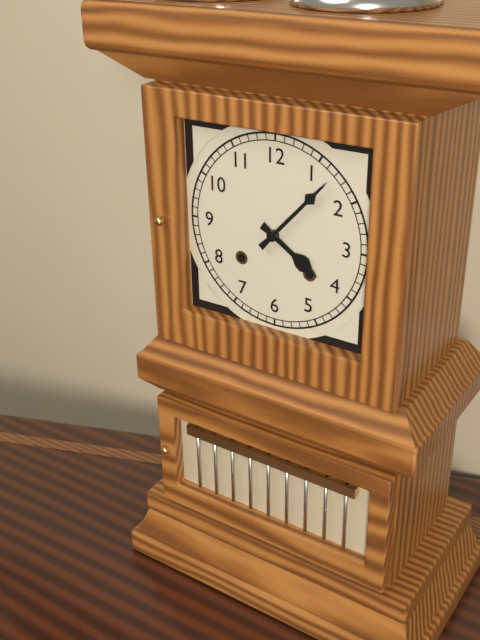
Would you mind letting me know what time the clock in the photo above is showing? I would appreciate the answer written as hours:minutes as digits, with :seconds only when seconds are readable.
4:07
